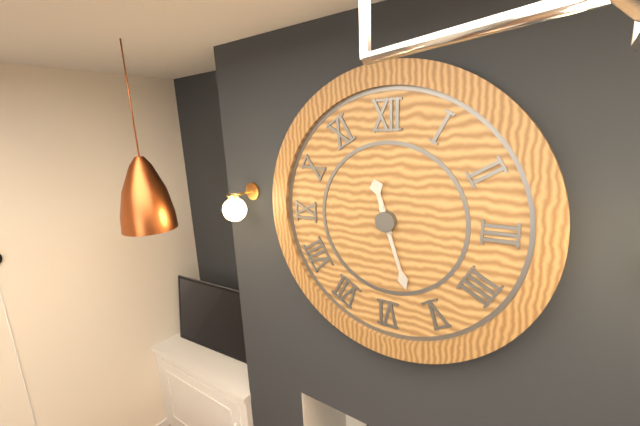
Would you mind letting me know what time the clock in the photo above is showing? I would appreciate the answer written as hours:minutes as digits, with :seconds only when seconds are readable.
11:27
